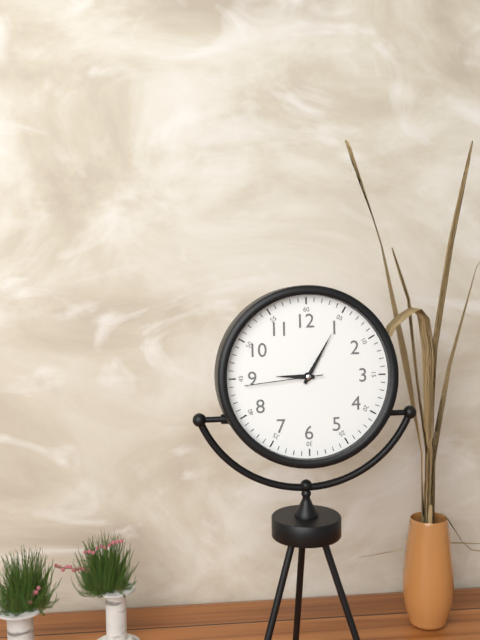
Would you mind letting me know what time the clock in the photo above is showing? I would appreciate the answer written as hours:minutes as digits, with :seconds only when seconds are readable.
9:05:44
